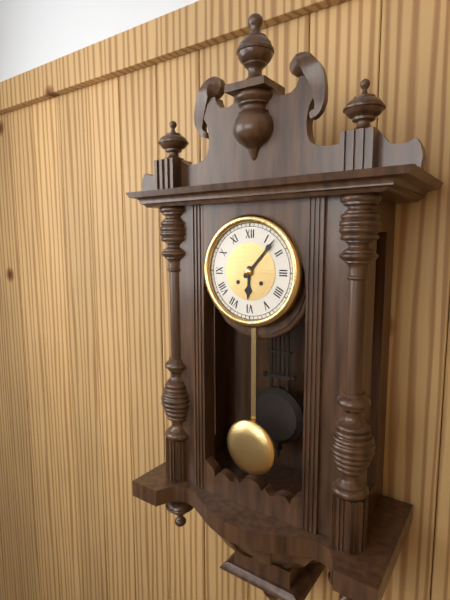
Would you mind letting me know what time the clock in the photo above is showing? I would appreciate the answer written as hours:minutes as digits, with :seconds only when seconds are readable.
6:07
